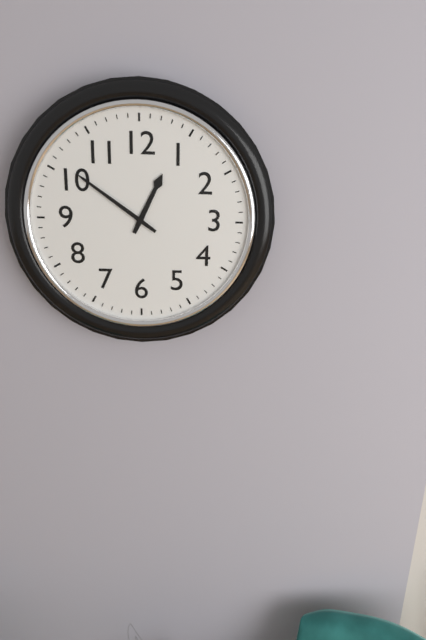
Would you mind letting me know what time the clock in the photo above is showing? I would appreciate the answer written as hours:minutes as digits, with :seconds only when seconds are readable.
12:51
